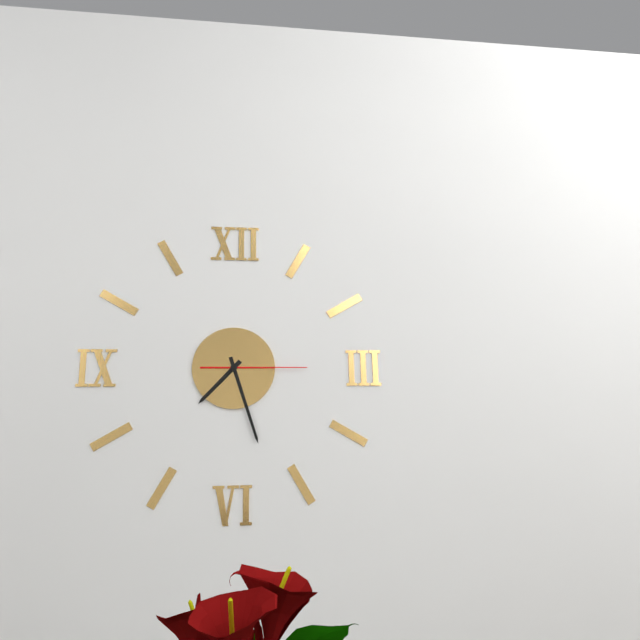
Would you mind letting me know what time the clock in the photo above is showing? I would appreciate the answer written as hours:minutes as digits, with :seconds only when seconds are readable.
7:27:15
